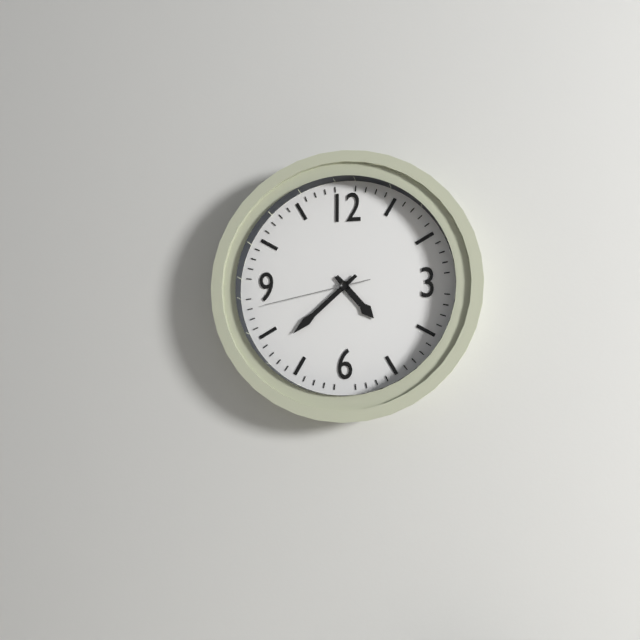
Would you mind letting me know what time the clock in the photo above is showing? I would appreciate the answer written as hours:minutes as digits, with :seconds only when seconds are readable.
4:38:43
